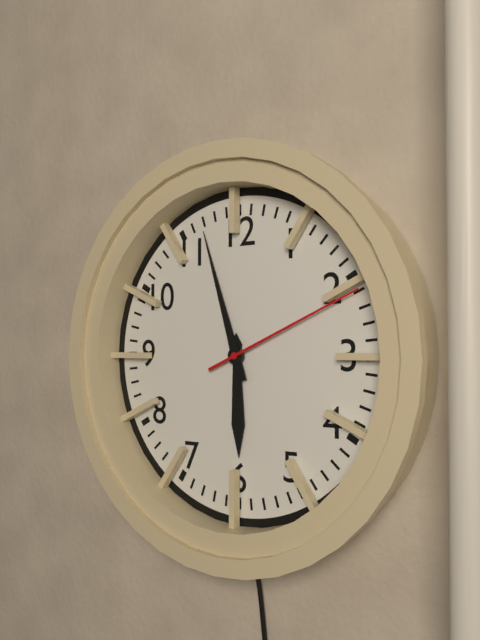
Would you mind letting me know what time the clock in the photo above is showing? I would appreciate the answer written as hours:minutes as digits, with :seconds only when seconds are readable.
5:57:11
